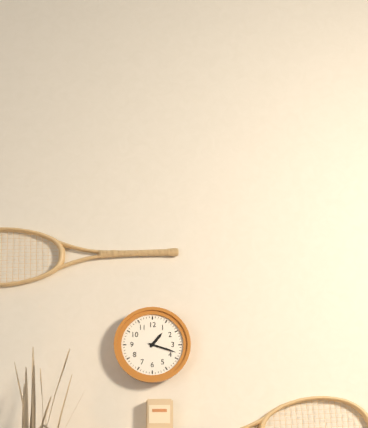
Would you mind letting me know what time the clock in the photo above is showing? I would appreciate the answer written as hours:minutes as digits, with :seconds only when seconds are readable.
1:18
